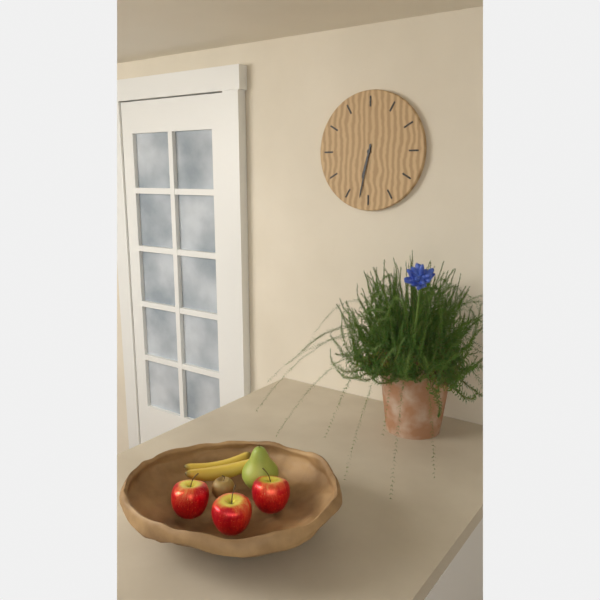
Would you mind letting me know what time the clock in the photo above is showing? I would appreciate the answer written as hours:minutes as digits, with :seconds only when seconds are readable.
6:32
